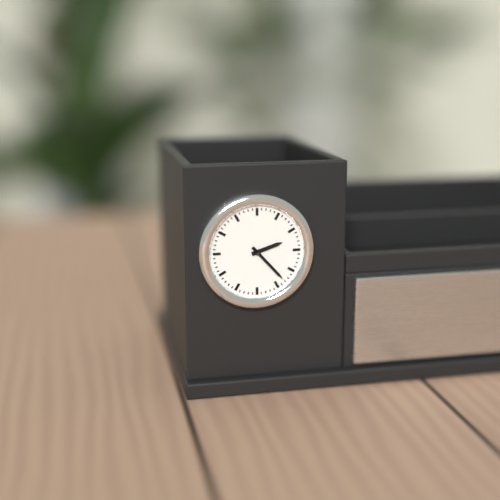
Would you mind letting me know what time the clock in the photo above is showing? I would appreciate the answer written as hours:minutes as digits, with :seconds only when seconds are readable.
2:23
